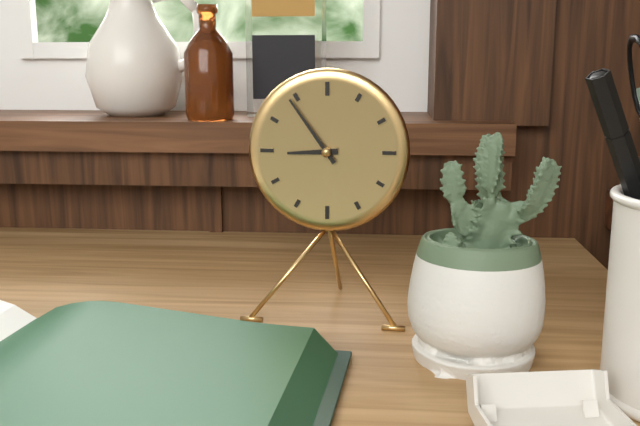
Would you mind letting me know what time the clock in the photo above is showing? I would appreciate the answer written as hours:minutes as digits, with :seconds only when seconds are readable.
8:54
